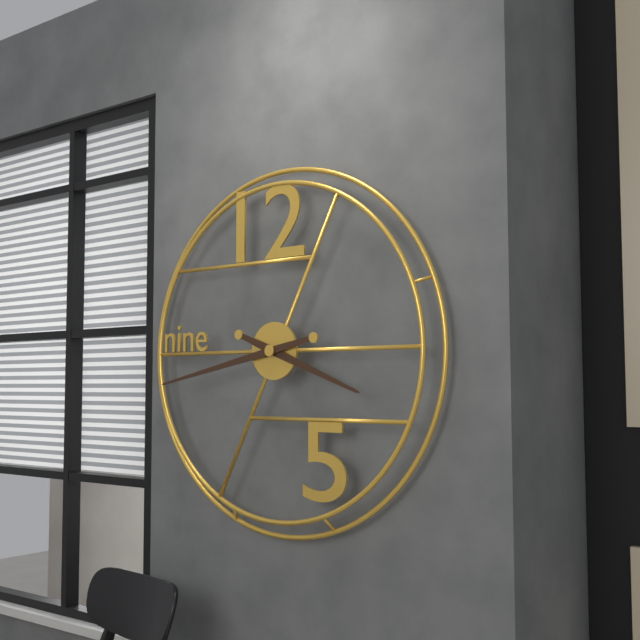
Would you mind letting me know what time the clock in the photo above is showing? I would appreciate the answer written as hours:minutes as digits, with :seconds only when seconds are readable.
3:43
